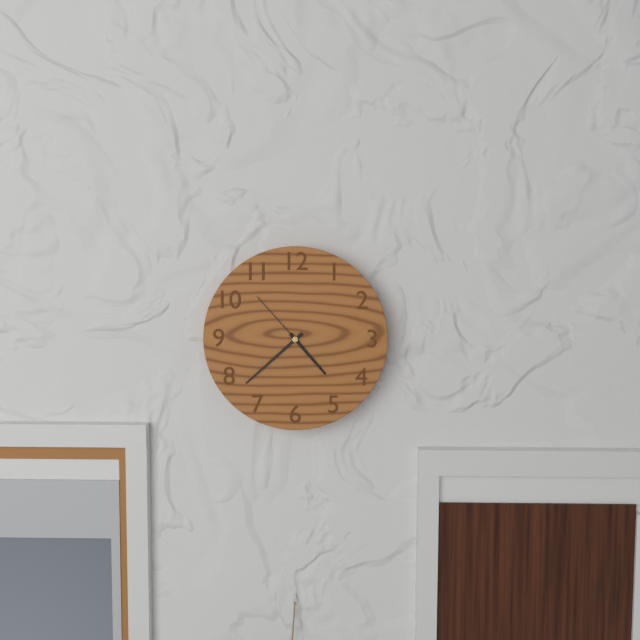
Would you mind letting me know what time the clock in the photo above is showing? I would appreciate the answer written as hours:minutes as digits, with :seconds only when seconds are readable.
4:38:53
